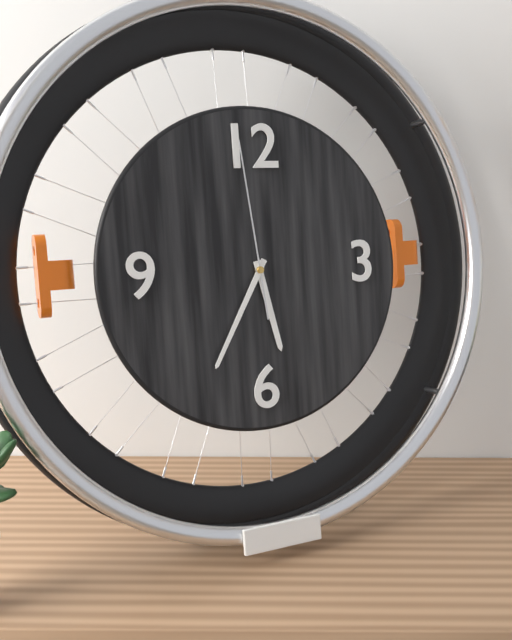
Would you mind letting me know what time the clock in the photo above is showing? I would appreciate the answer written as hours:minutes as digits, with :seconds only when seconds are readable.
5:35:59
